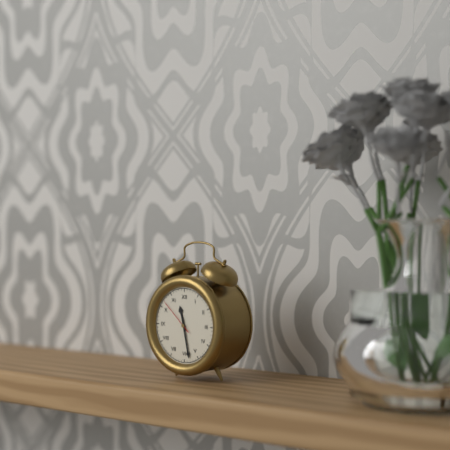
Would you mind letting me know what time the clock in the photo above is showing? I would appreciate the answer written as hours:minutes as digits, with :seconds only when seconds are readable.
11:28
